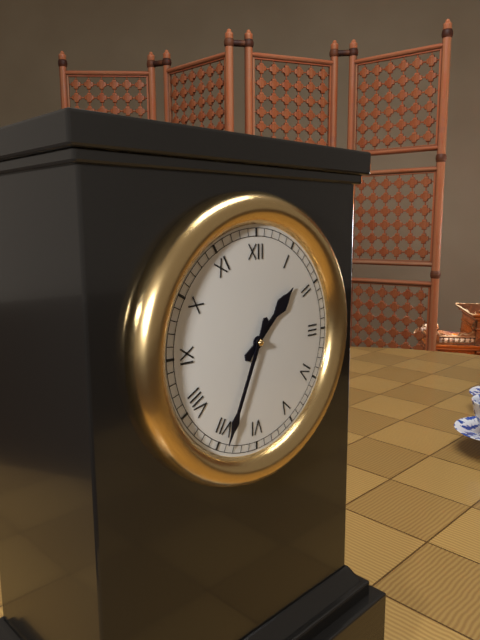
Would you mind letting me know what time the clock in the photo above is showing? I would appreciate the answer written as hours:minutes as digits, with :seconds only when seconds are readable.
1:34
